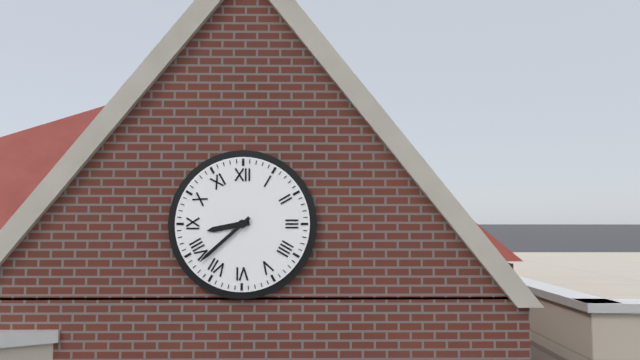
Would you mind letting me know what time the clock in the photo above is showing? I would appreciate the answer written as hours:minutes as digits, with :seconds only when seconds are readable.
8:38
